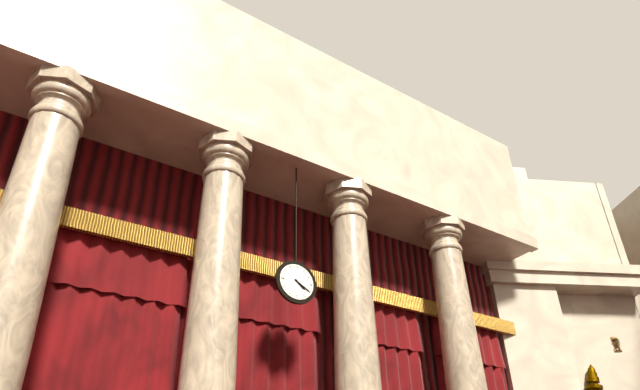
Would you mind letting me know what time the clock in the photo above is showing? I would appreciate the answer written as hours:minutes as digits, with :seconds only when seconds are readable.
4:20
